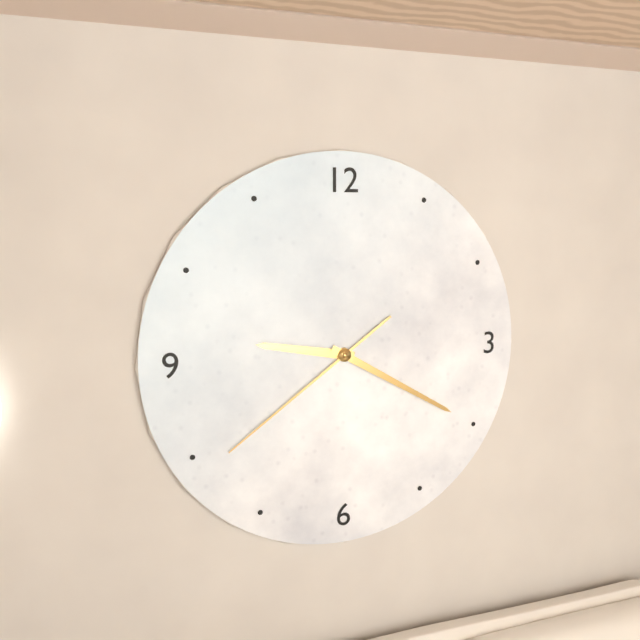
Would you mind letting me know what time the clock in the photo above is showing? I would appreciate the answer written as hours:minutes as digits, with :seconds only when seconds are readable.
9:20:39
